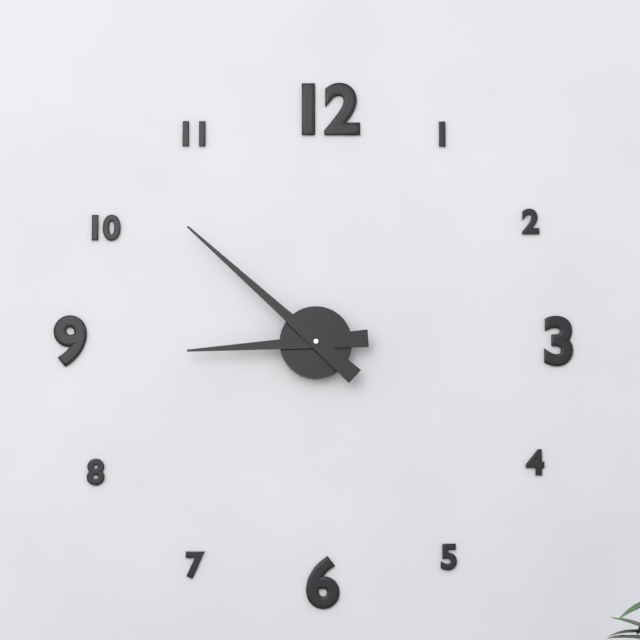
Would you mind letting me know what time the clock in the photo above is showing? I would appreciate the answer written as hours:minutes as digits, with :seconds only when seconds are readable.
8:52
